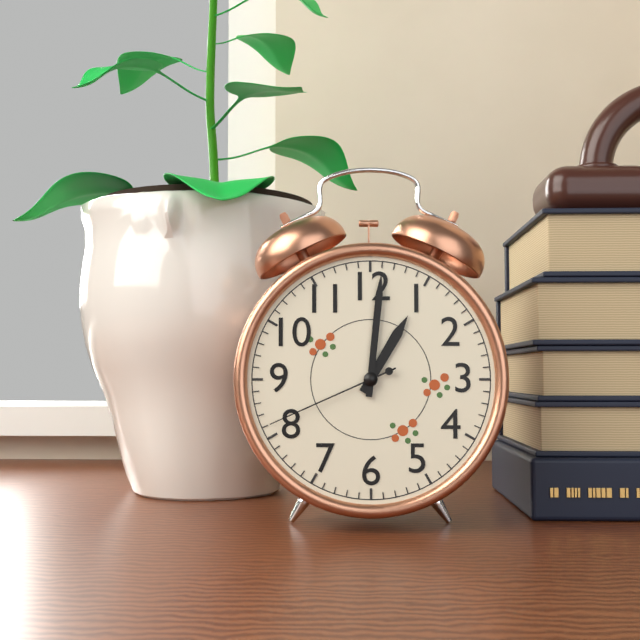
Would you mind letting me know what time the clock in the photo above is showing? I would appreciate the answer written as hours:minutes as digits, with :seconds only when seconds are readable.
1:01:41
